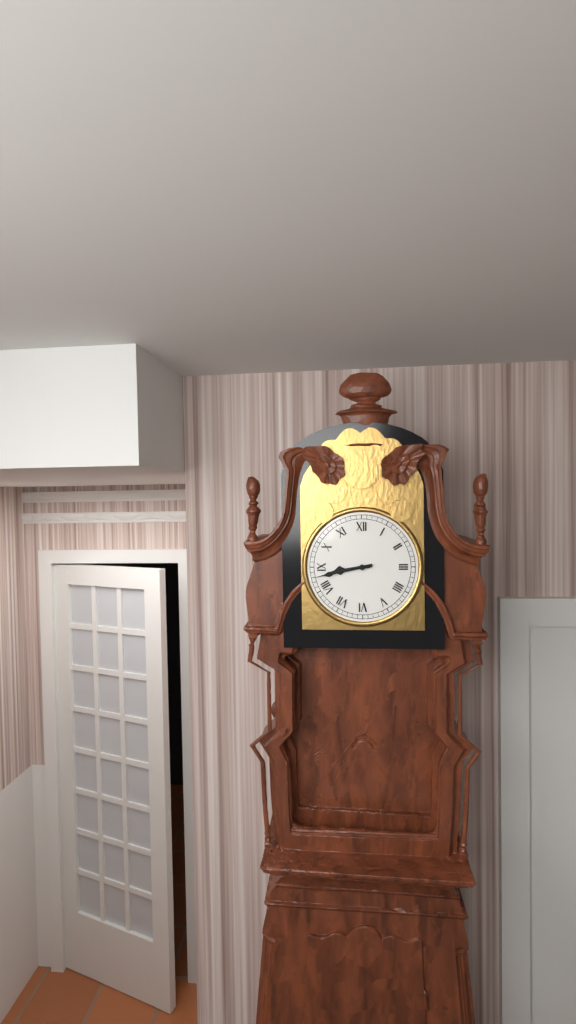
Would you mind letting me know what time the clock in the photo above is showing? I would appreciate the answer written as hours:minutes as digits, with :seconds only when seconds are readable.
8:43
